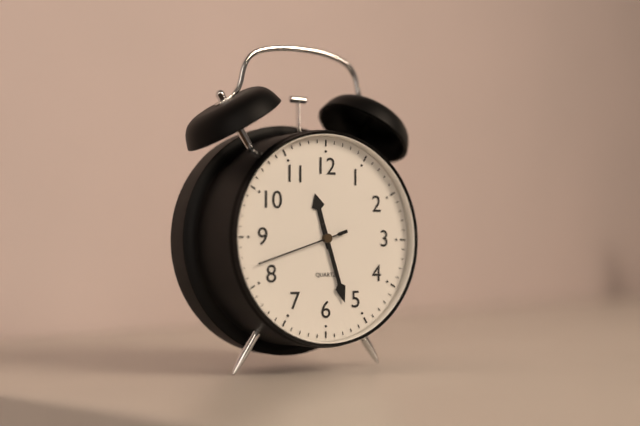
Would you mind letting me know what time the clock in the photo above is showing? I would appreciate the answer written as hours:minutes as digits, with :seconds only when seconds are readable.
11:27:42
